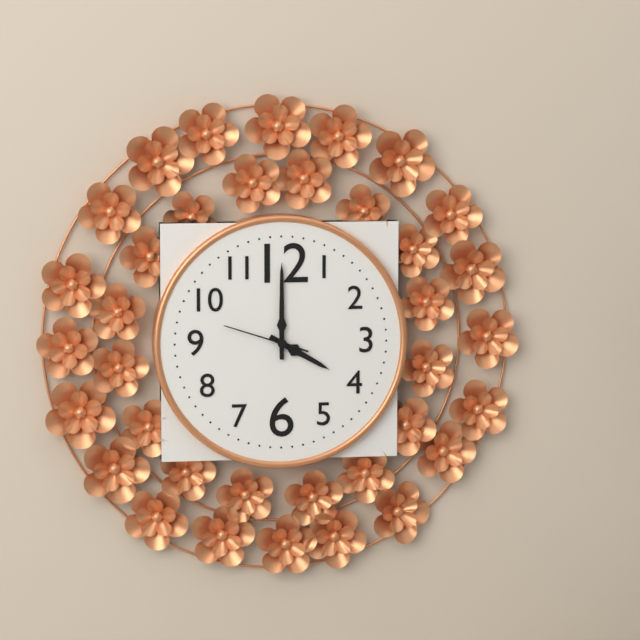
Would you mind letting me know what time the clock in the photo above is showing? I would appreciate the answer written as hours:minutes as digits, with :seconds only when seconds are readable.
4:00:48
